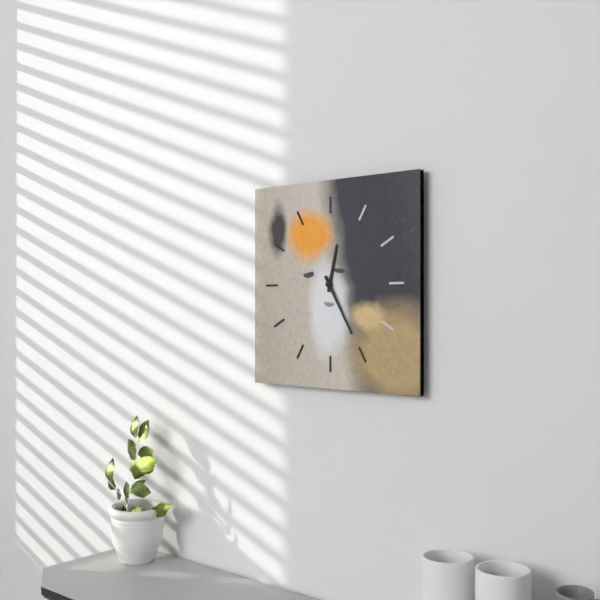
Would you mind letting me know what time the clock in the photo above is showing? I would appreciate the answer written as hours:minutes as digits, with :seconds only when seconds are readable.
12:25
